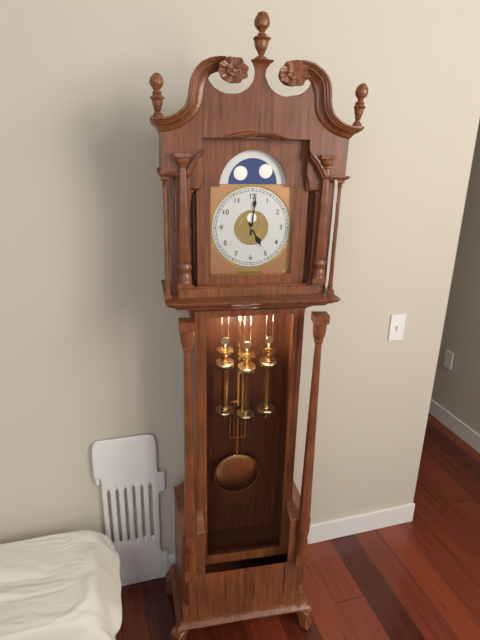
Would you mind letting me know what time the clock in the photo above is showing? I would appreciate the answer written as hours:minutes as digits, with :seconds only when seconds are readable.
5:01
